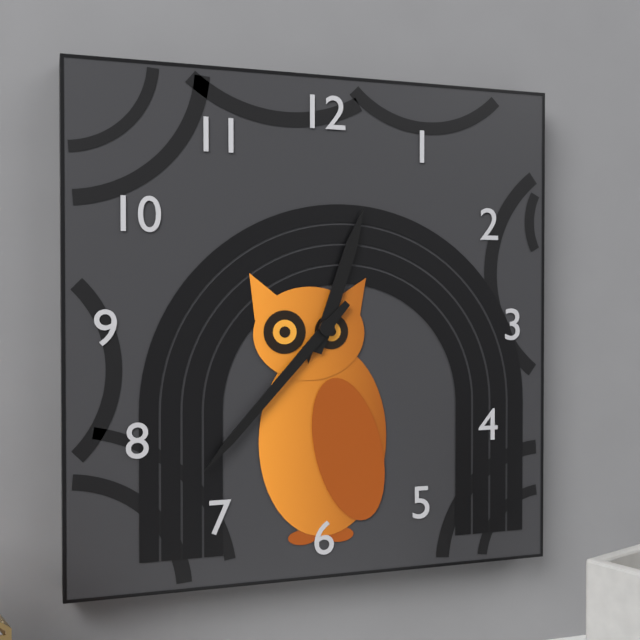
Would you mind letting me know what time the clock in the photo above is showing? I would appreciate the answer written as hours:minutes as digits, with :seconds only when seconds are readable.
12:37
